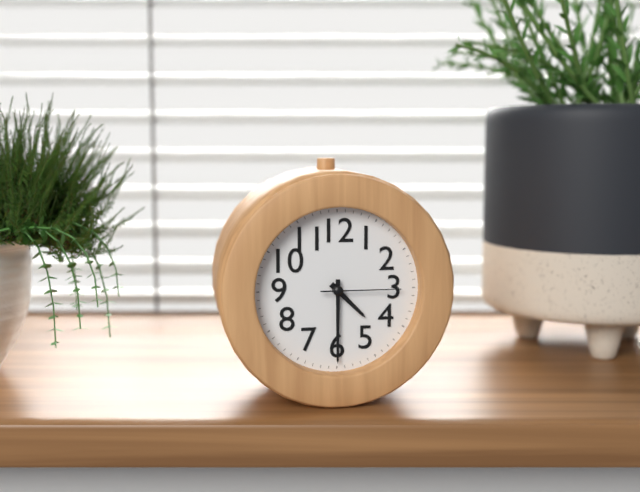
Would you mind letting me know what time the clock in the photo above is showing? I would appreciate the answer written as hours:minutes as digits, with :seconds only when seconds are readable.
4:30:15
